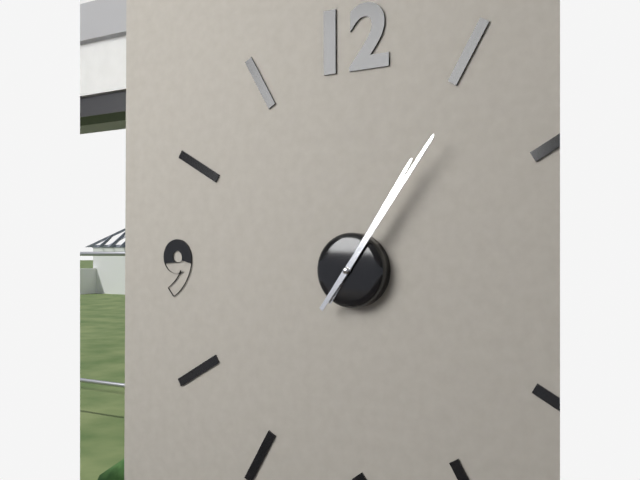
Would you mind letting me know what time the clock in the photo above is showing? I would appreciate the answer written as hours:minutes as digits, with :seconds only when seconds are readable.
1:06
